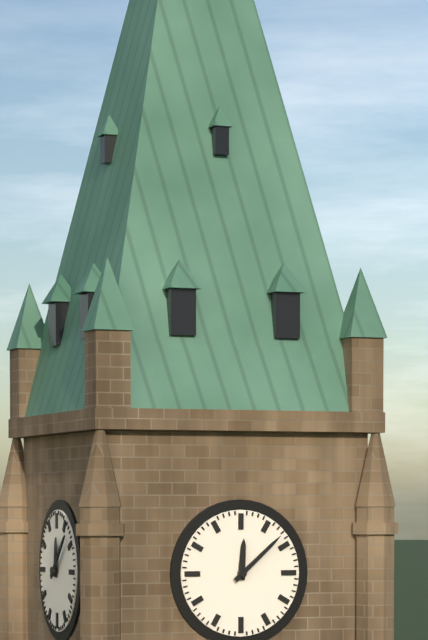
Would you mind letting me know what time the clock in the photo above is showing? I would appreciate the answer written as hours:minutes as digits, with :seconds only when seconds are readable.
12:08
